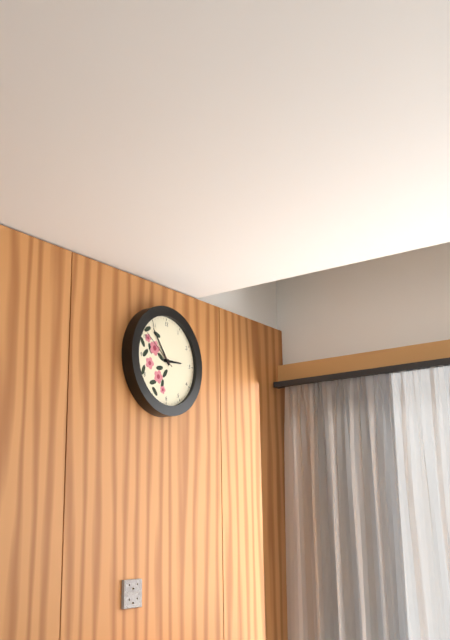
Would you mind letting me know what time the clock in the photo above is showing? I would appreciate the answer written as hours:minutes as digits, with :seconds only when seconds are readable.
2:54
